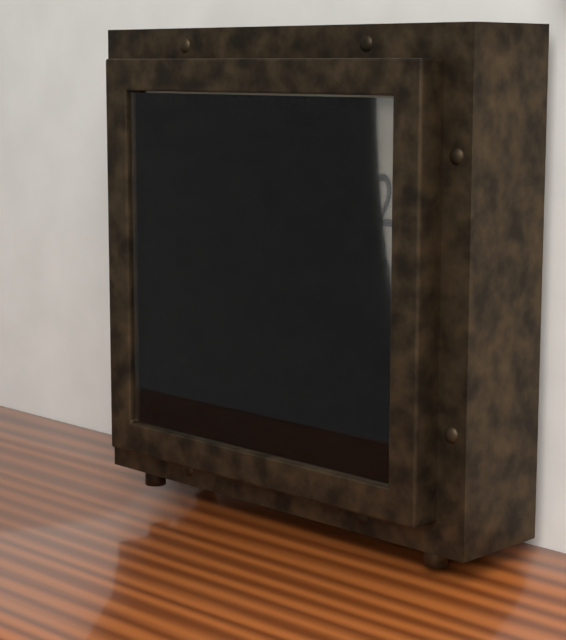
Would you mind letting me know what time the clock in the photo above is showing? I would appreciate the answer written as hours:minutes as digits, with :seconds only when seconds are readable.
9:58
